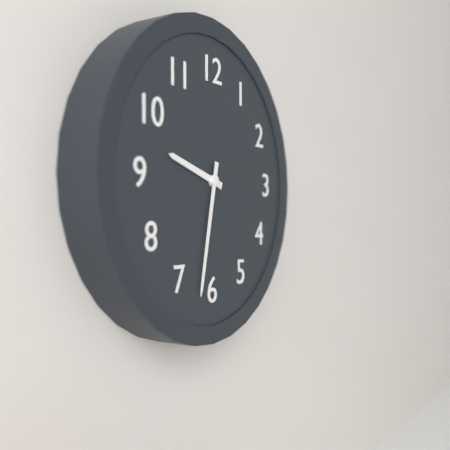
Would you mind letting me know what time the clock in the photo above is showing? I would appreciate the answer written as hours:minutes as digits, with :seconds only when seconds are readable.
9:32
